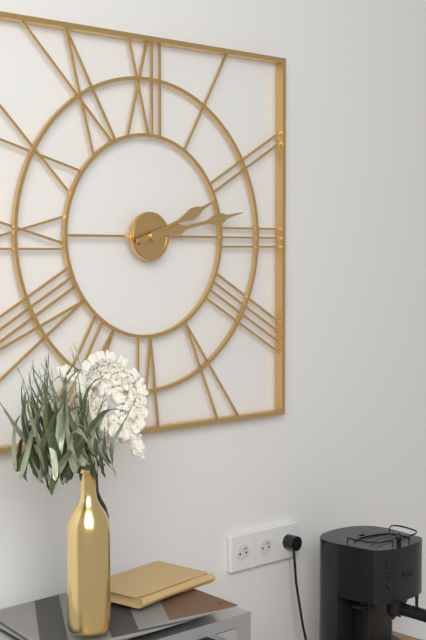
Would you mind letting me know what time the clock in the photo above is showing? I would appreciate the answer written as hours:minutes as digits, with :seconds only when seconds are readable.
2:13
